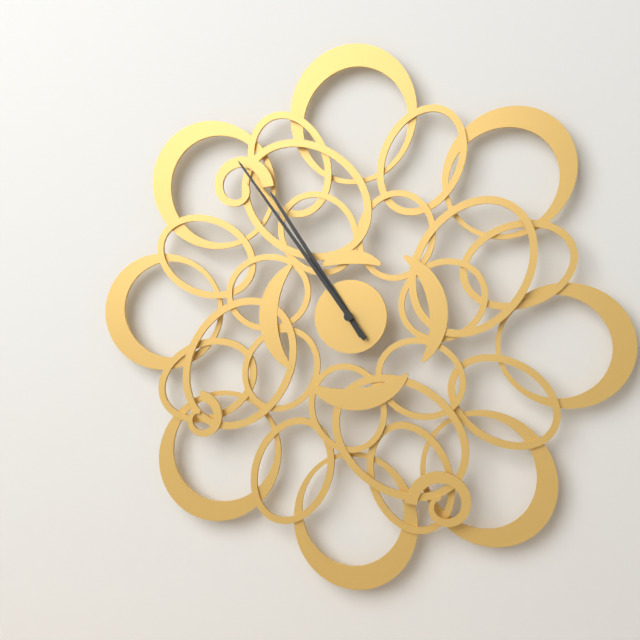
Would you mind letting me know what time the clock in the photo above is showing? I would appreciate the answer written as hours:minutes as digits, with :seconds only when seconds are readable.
10:54
